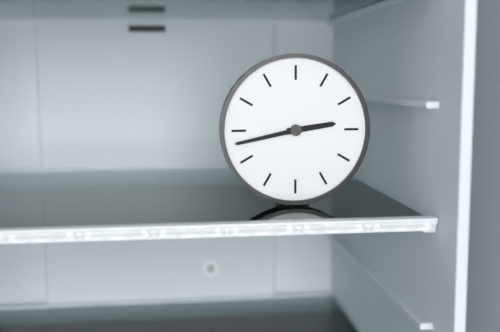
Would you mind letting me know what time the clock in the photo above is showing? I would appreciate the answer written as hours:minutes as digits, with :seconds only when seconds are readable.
2:43
